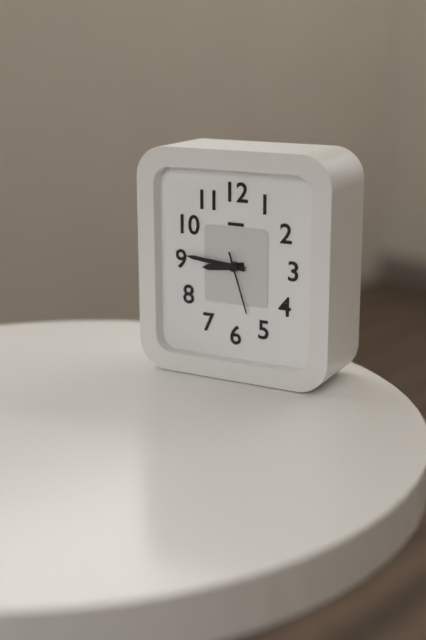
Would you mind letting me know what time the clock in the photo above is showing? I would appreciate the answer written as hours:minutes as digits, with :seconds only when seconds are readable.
8:46:27
